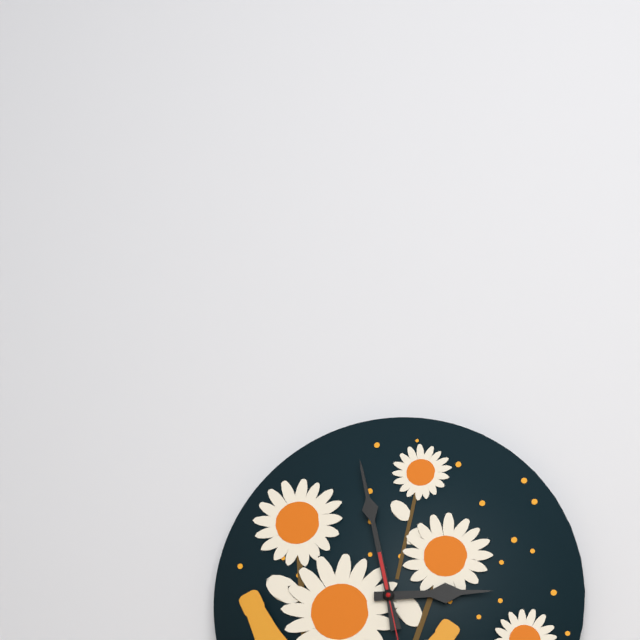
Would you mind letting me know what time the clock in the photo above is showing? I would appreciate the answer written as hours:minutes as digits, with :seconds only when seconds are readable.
2:58
